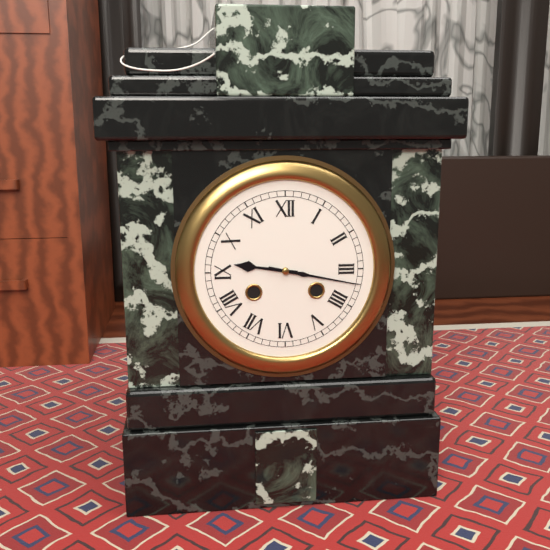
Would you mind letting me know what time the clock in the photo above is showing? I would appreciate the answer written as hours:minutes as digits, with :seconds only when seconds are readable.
9:17
